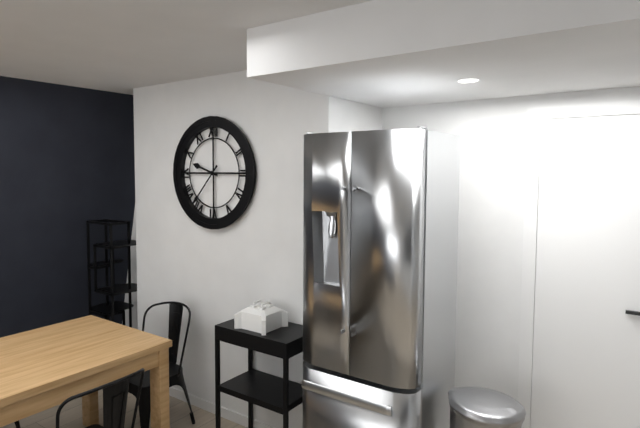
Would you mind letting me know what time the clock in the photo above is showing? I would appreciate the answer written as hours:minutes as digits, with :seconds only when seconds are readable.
9:37
